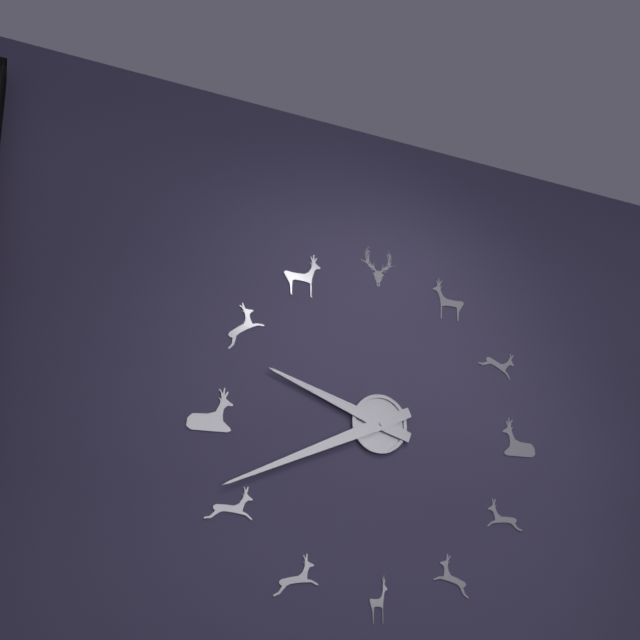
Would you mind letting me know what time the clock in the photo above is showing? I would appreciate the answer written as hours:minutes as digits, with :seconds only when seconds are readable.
9:41
